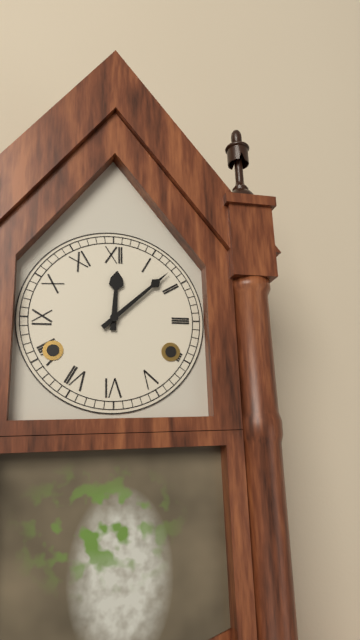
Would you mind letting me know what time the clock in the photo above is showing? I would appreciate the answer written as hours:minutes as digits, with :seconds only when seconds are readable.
12:08
